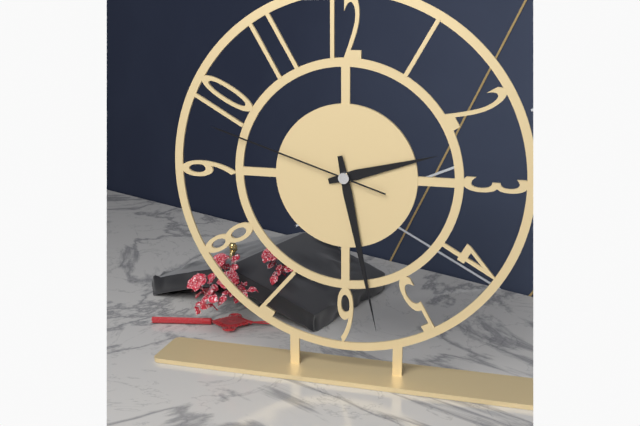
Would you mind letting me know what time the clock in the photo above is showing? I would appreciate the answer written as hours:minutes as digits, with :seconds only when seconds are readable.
2:28:48
